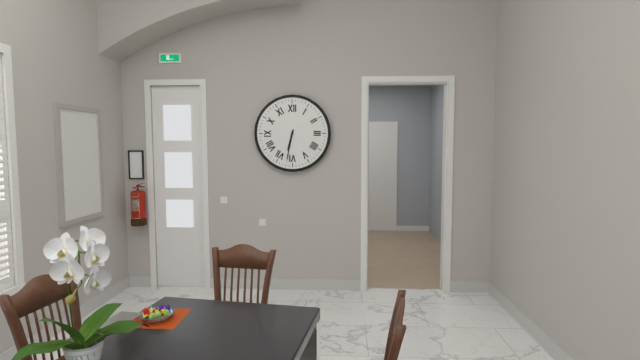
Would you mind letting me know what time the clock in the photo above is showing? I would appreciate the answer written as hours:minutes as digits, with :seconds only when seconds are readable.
6:32
